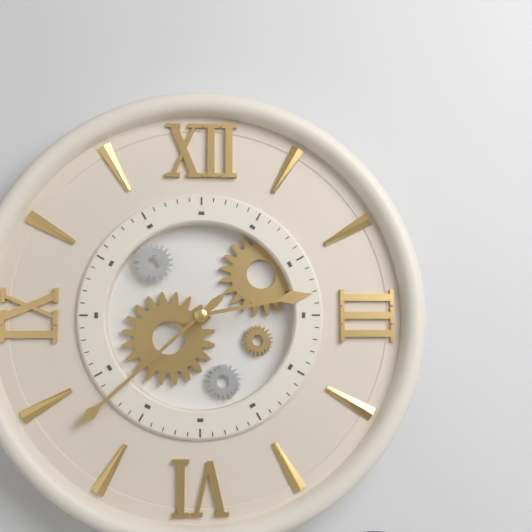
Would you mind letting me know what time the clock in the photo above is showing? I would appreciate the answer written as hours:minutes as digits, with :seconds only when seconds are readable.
2:38
